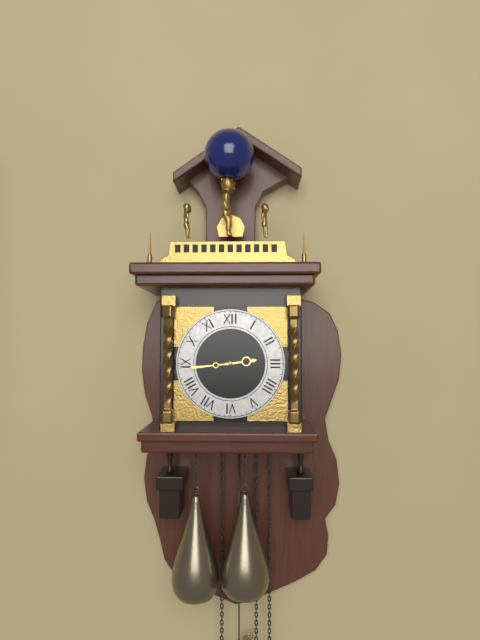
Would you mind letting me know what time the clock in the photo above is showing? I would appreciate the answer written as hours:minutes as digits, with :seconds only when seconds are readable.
2:44
